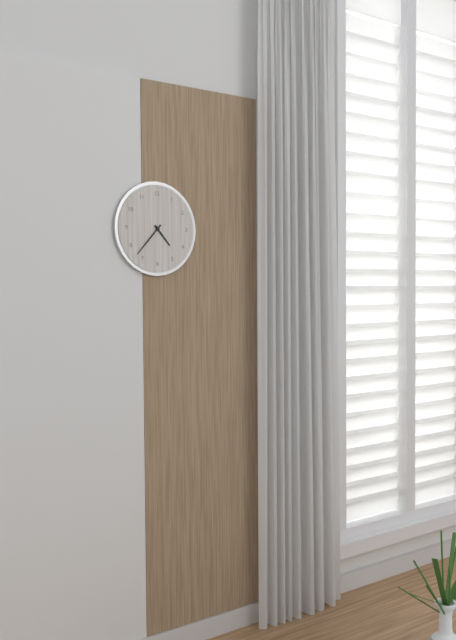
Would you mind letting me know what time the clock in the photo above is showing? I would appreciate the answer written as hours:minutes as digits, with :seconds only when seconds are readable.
4:37
